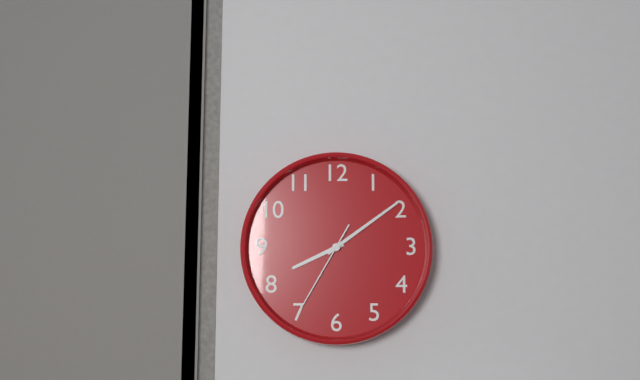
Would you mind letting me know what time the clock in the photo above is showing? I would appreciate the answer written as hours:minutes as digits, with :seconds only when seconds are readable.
8:09:35
